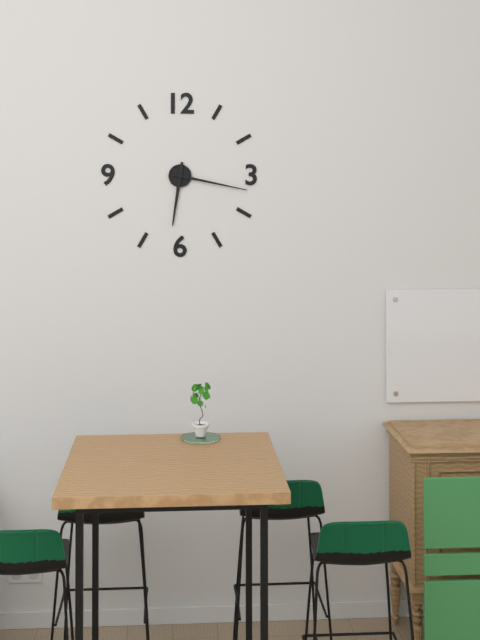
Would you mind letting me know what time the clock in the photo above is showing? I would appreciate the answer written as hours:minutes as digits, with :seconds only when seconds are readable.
6:17
